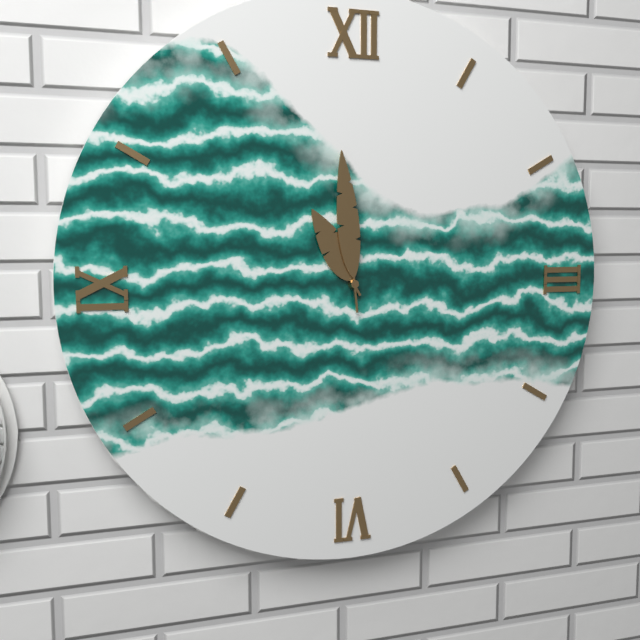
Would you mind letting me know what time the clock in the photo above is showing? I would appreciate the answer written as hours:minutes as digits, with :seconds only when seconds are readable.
10:59
